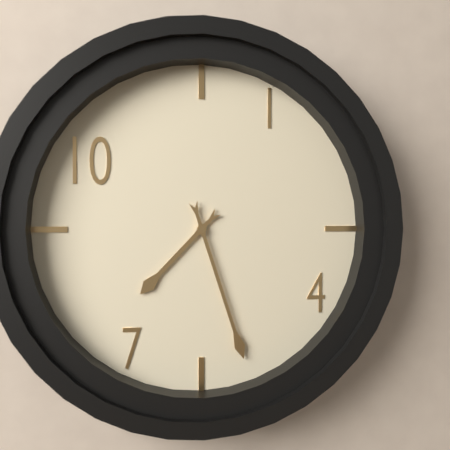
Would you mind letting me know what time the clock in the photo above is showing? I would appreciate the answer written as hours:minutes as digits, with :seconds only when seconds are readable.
7:27
